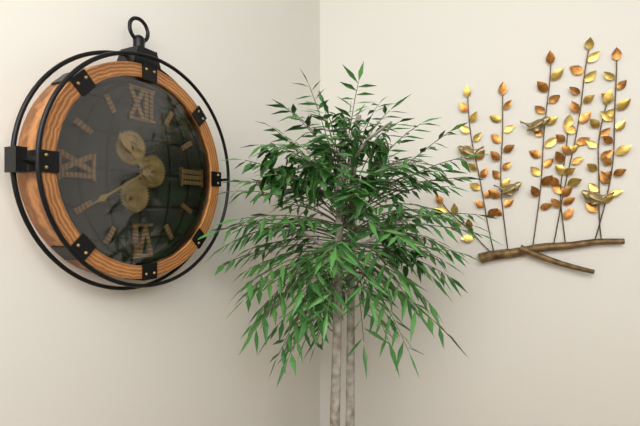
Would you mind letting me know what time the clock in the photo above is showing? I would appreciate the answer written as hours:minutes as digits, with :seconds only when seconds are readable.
10:40
